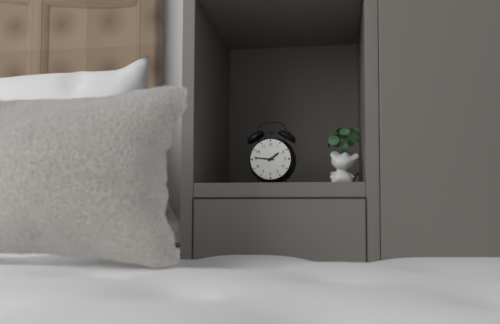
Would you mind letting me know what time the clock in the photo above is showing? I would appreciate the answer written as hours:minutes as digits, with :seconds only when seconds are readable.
1:46
